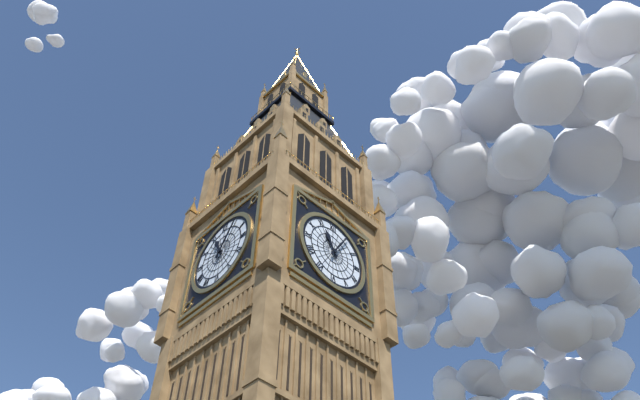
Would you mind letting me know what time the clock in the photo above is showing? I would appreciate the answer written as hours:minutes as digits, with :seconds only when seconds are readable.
11:05
